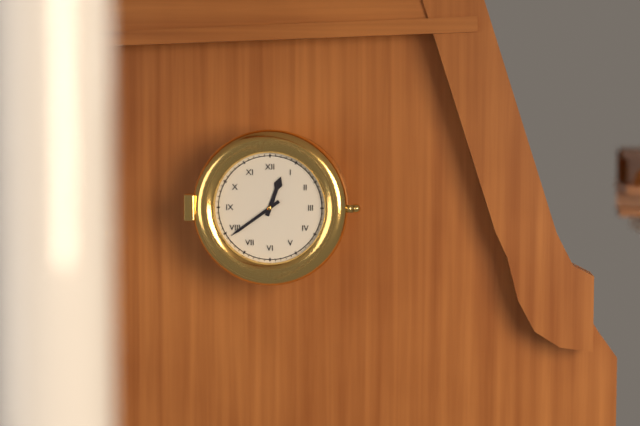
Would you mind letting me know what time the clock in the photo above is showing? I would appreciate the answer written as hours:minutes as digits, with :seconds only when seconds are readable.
12:39
